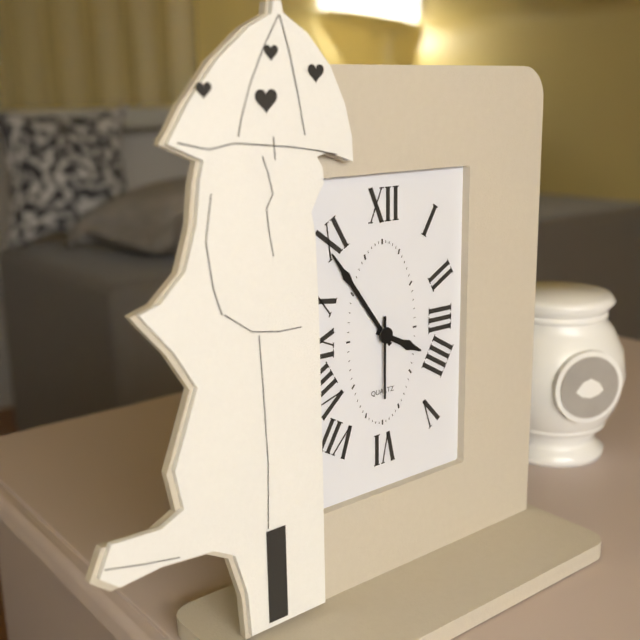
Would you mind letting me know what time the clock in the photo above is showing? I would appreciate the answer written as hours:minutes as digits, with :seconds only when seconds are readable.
3:54:30
